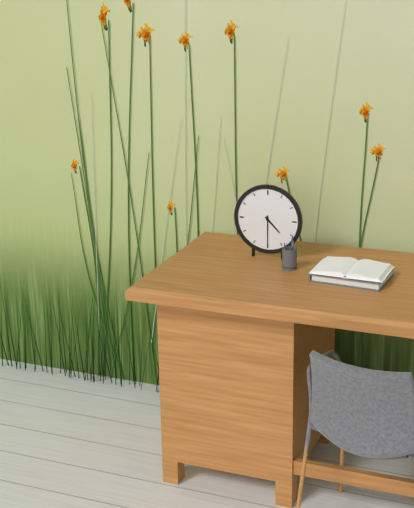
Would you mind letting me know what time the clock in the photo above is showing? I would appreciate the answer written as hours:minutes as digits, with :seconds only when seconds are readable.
4:30
